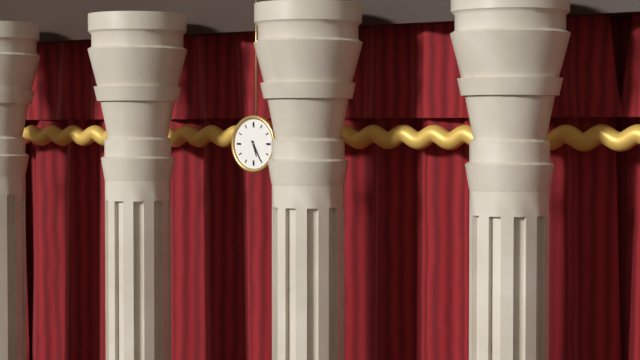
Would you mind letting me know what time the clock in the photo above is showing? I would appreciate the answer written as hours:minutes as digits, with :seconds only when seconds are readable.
5:25
